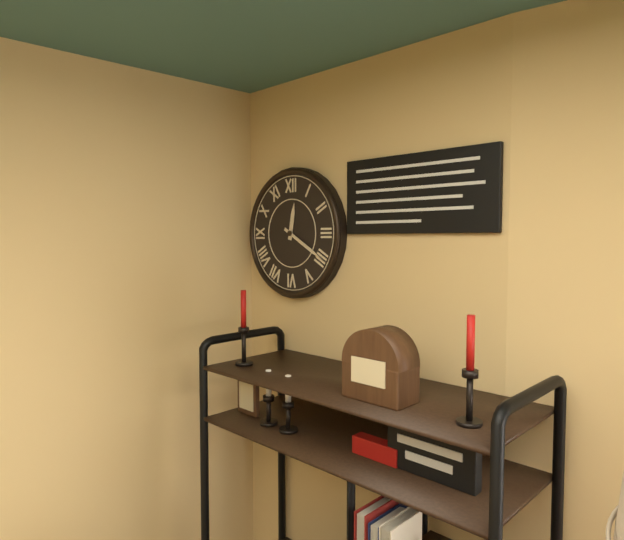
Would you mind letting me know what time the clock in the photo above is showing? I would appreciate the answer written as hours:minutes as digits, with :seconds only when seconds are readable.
12:20
